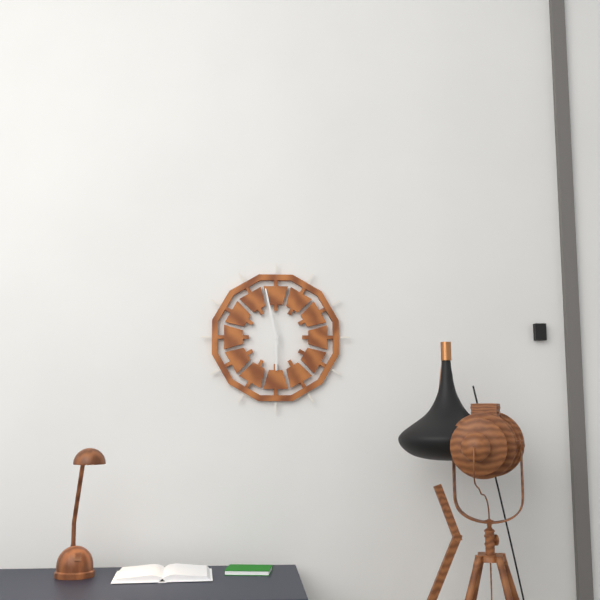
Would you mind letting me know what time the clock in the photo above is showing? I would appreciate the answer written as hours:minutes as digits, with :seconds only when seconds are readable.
5:58
